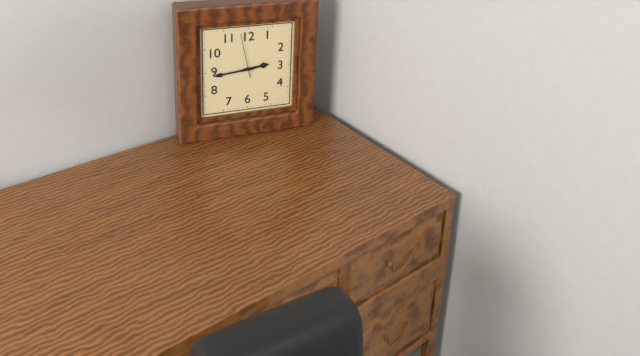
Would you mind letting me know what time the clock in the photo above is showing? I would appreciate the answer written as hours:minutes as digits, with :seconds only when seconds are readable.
2:44
